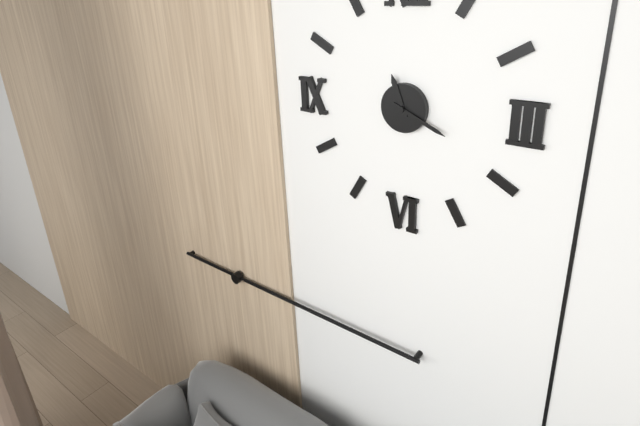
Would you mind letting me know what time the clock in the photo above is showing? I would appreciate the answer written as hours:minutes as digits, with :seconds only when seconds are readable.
11:19
